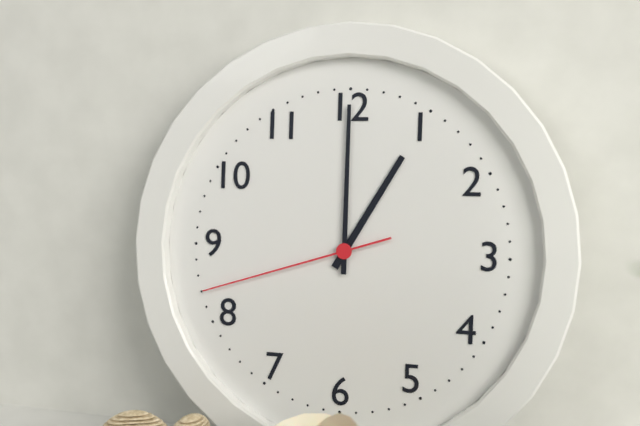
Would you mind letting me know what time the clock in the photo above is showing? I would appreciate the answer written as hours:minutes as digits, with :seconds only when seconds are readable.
1:00:42
